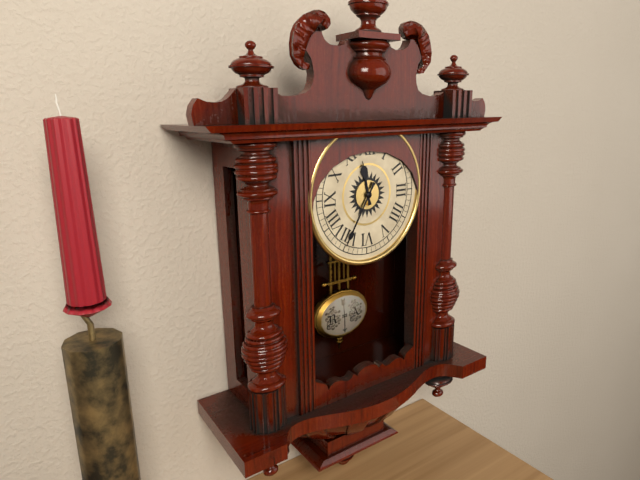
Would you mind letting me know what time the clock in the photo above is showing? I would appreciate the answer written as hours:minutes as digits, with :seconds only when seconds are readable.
11:35
